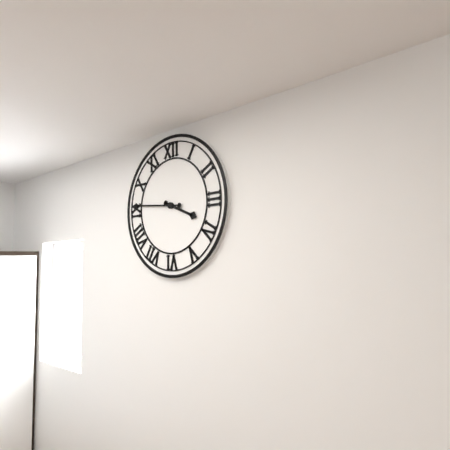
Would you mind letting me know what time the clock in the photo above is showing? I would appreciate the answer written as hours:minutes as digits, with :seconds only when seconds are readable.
3:46
